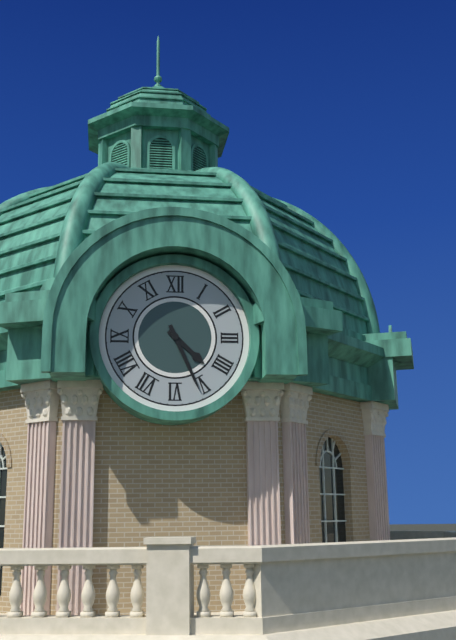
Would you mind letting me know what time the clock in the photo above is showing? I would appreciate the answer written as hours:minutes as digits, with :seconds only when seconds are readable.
4:26
